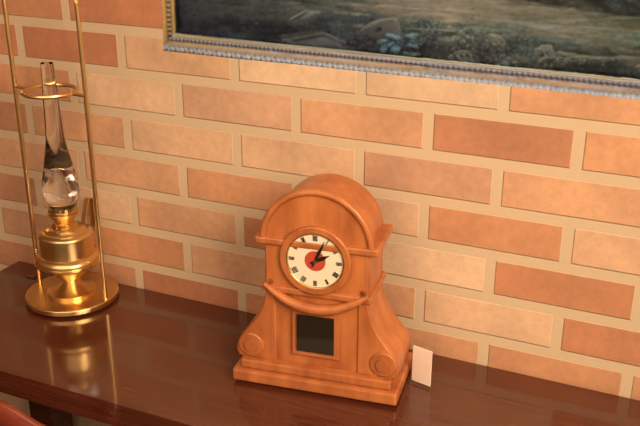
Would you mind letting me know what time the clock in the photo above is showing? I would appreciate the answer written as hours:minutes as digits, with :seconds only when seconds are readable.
2:04
